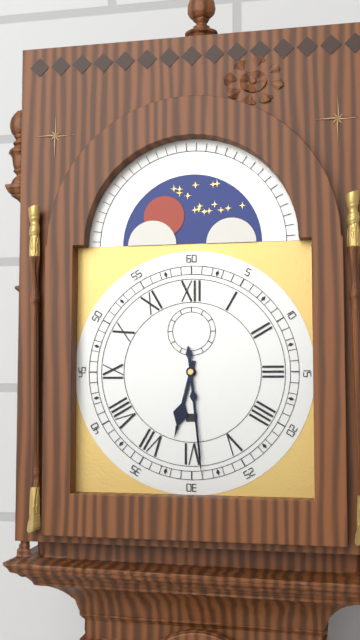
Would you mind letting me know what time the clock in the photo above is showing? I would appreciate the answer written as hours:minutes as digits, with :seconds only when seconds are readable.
6:29
